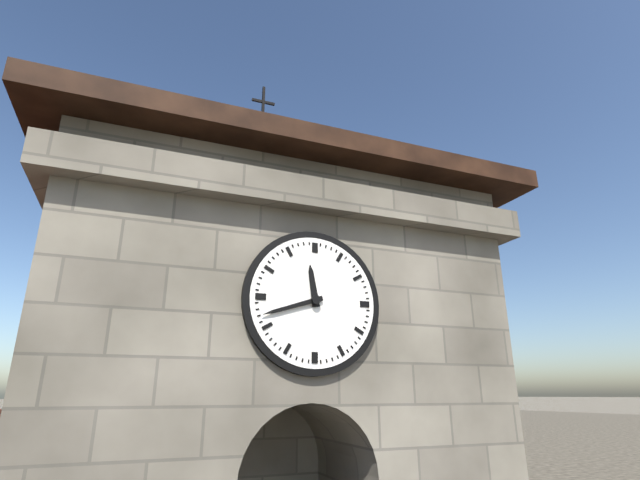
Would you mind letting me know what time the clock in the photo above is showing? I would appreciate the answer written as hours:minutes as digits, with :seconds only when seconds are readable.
11:42
